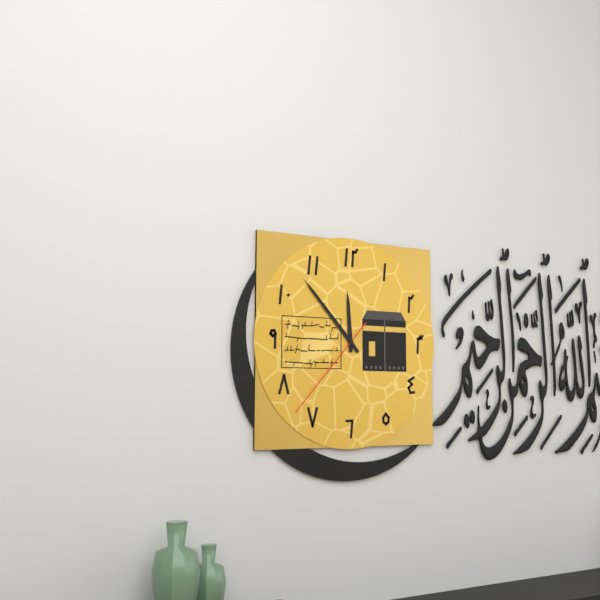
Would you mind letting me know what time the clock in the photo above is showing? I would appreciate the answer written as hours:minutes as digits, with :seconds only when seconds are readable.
11:53:37
